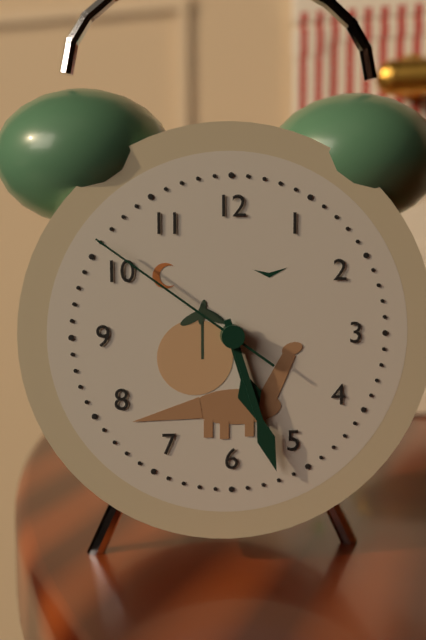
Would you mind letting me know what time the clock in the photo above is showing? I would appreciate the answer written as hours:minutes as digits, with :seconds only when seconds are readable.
5:27:51
